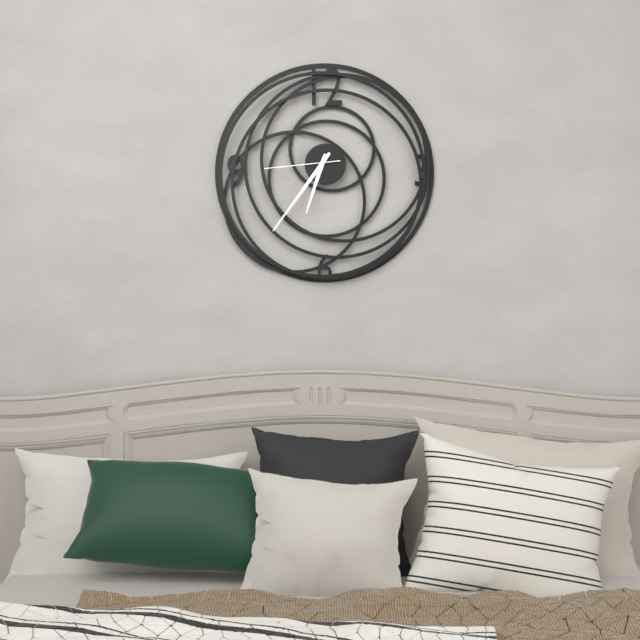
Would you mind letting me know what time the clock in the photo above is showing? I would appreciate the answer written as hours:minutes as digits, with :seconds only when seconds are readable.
6:36:44
